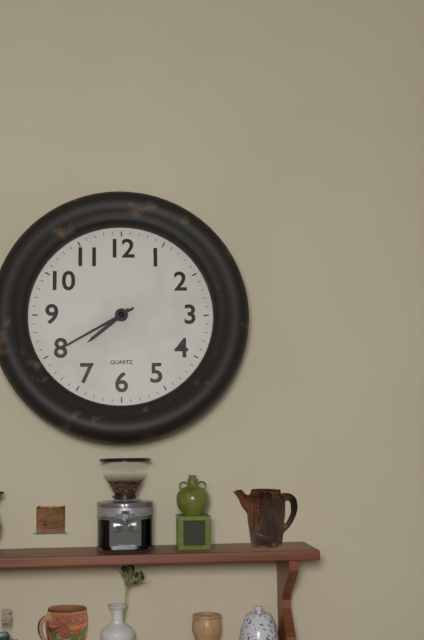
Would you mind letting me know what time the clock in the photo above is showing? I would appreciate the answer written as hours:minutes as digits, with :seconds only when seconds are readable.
7:40
